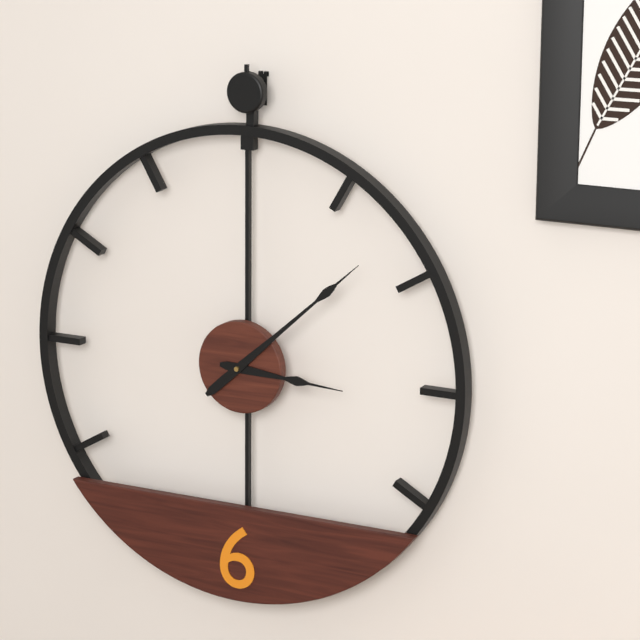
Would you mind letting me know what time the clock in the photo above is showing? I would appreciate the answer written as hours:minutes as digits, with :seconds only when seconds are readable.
3:08
